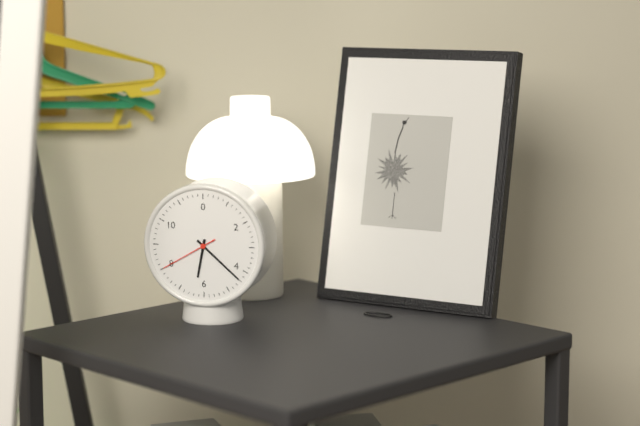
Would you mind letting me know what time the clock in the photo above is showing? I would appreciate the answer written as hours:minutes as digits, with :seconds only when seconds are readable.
6:22:40
